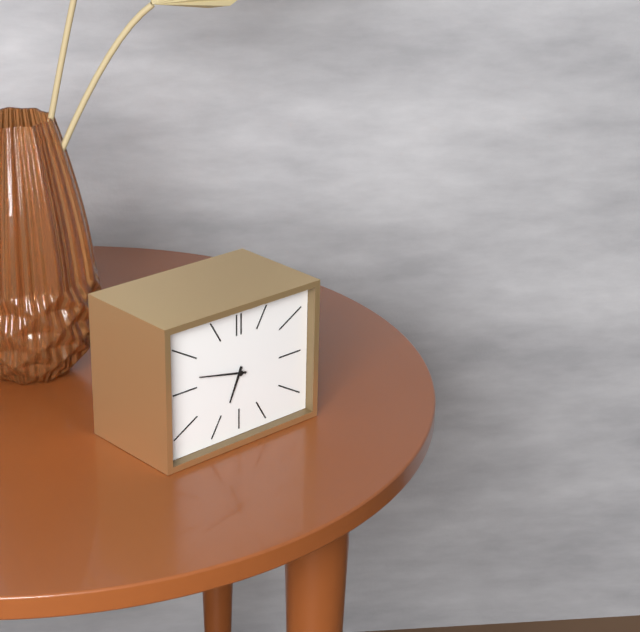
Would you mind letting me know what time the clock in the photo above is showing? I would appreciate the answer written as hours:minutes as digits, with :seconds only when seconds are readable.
6:47
